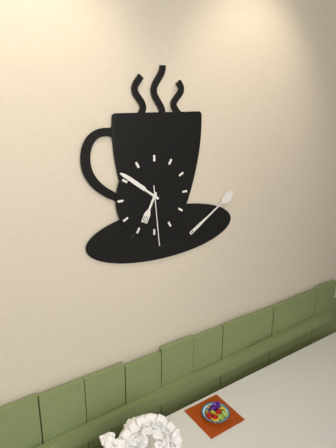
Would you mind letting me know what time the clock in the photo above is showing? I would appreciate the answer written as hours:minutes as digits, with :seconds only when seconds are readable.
6:51:29
